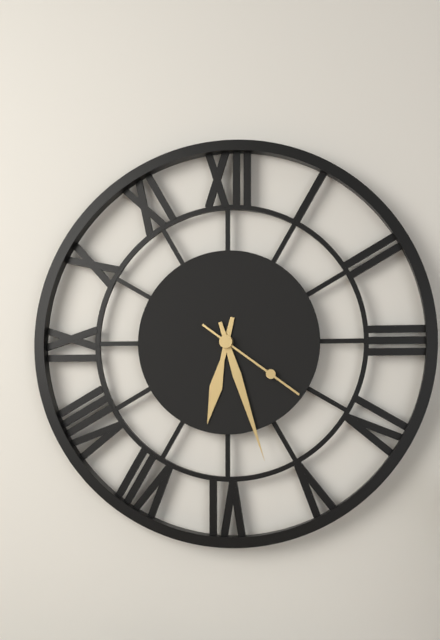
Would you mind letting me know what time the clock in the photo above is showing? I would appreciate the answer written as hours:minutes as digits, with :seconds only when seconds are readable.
6:27:21
